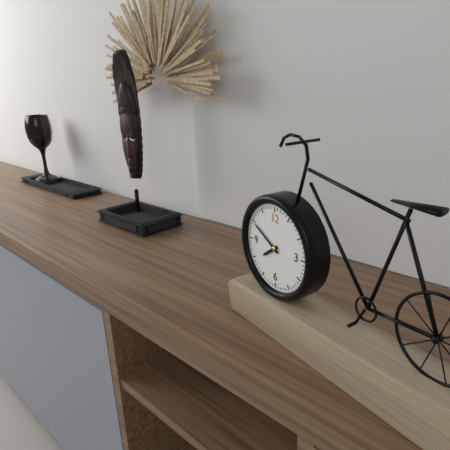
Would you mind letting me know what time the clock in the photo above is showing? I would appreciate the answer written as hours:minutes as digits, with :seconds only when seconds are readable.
7:50
